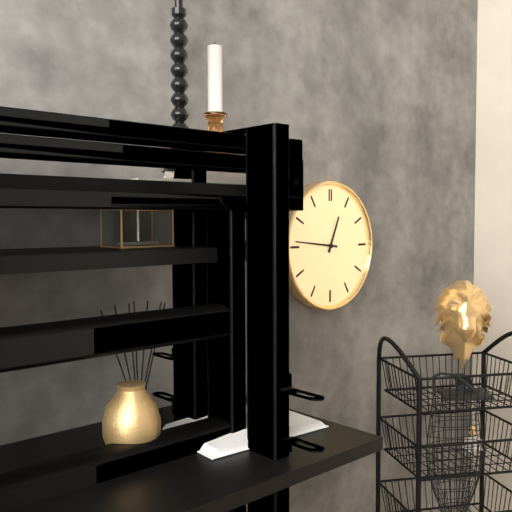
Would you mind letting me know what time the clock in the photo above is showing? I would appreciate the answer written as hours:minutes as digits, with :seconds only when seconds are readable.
12:46
